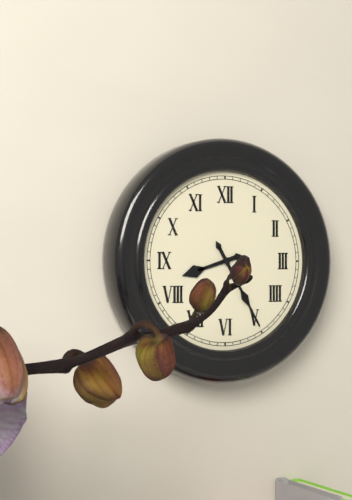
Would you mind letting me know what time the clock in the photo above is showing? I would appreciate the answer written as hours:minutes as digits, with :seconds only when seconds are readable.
8:25
